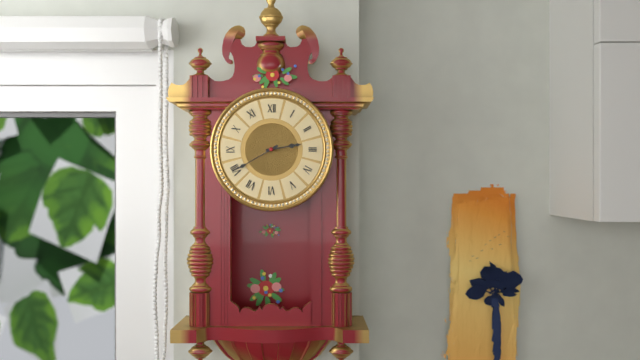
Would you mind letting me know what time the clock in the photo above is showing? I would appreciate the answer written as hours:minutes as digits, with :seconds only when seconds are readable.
2:40
